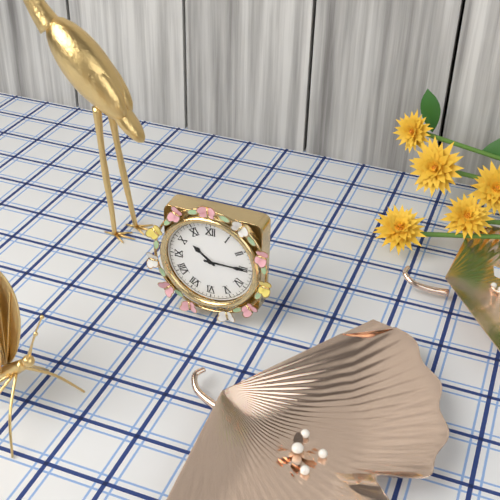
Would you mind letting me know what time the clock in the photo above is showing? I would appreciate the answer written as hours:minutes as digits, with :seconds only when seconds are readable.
10:15
